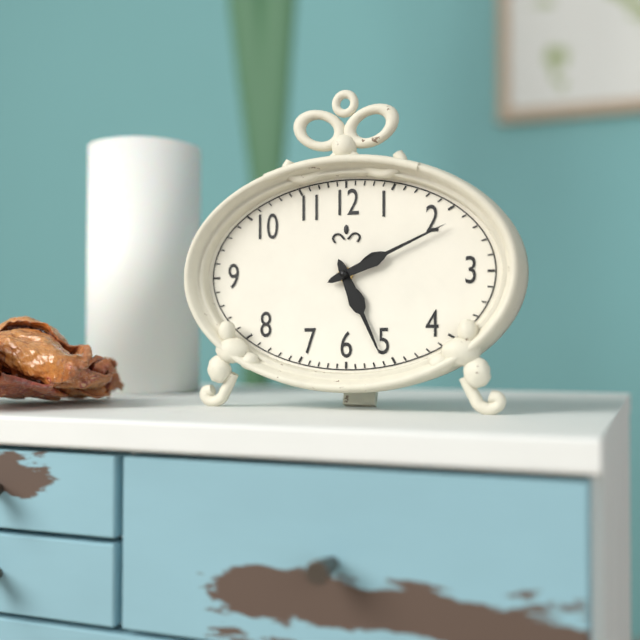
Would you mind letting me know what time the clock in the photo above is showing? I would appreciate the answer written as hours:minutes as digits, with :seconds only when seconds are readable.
5:11
